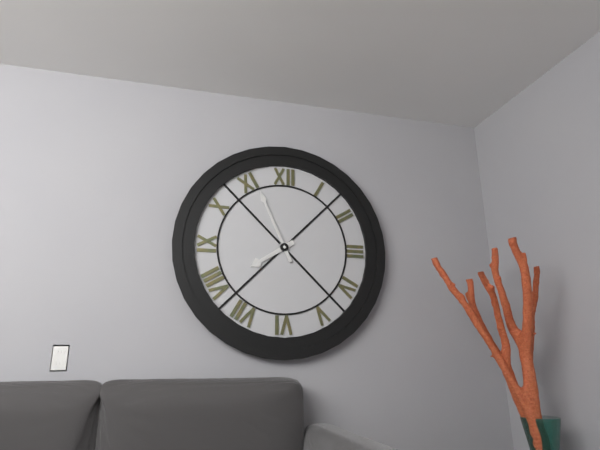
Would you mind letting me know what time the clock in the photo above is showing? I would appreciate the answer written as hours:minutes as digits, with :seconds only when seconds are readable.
7:56
